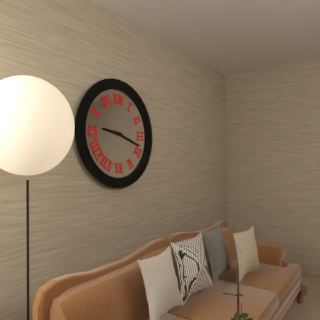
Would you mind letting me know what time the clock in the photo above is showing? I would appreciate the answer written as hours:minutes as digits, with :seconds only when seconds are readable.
9:18
